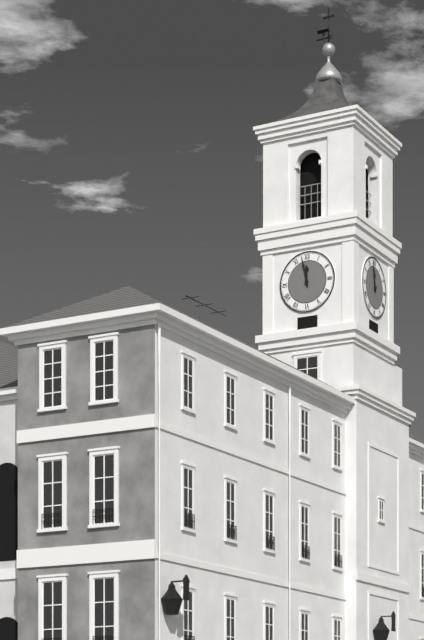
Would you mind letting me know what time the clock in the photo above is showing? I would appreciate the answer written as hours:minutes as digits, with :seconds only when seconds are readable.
11:58
